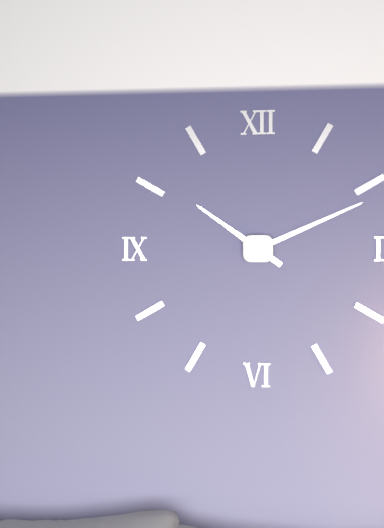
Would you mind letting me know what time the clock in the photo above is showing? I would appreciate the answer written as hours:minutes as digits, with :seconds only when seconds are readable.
10:11
